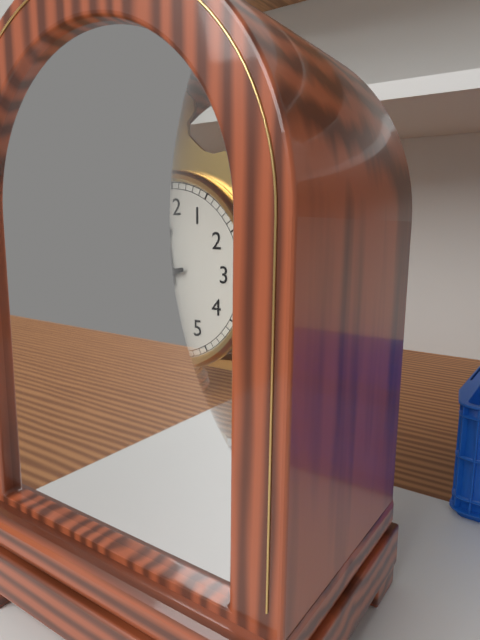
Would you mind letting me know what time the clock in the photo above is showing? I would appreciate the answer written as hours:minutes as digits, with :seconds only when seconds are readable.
11:43
